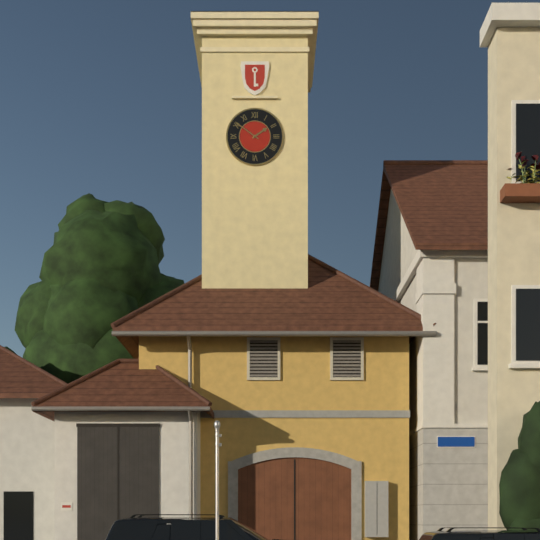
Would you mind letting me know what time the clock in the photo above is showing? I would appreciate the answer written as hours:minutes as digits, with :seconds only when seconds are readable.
1:51
